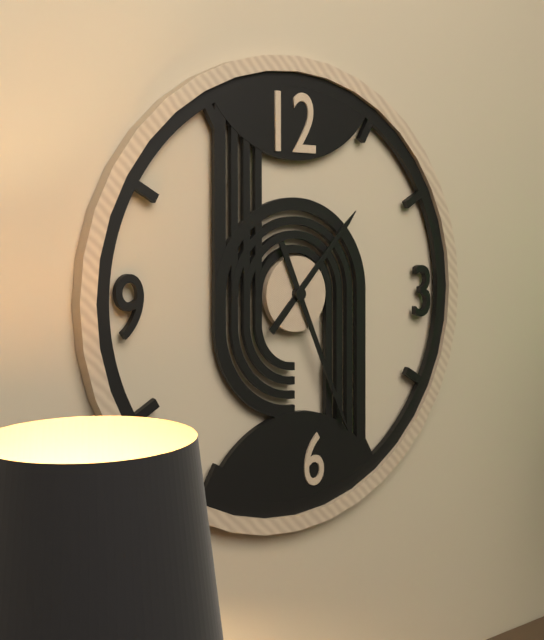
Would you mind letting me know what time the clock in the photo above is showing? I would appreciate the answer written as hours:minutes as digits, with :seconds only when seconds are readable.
1:26
